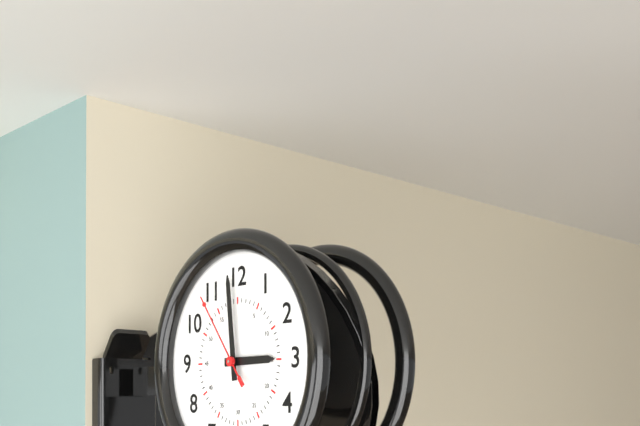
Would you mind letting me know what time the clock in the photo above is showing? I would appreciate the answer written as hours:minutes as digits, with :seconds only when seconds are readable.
2:59:54
